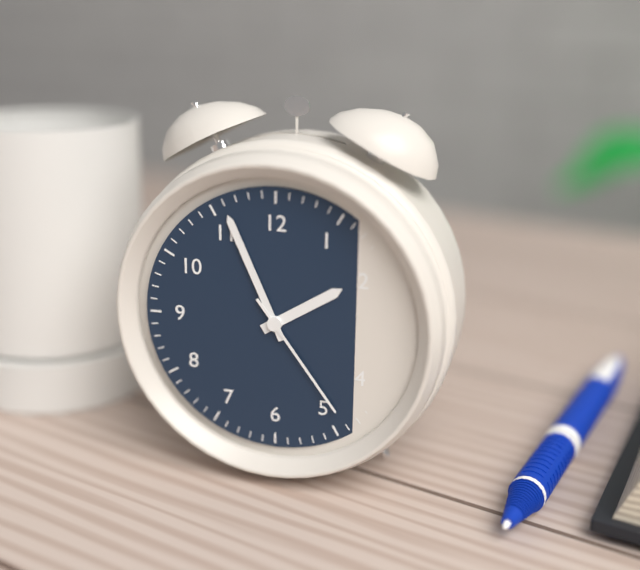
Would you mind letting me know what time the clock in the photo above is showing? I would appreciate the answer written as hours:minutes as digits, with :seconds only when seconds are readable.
1:56:24
